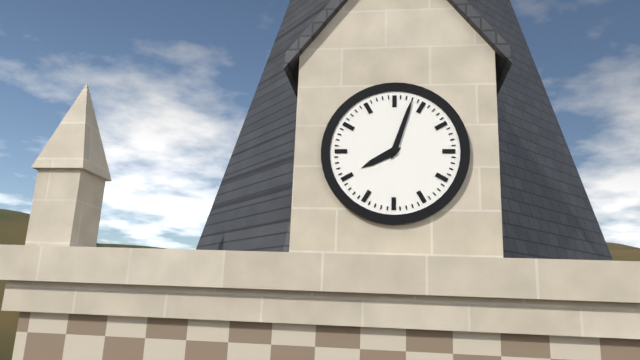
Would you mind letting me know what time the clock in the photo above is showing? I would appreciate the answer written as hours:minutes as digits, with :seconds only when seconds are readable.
8:03
